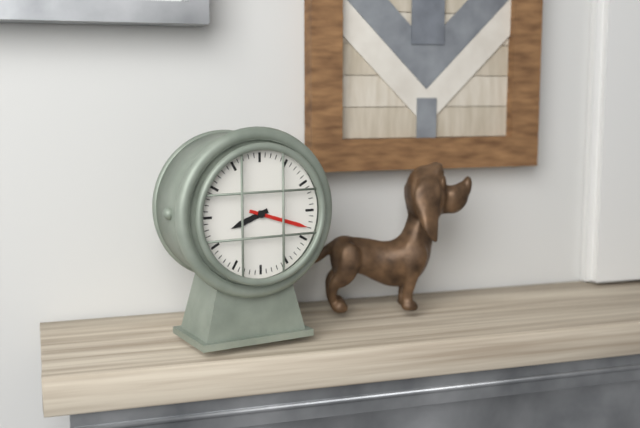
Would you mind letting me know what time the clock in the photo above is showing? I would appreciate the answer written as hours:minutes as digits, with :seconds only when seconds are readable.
8:18
